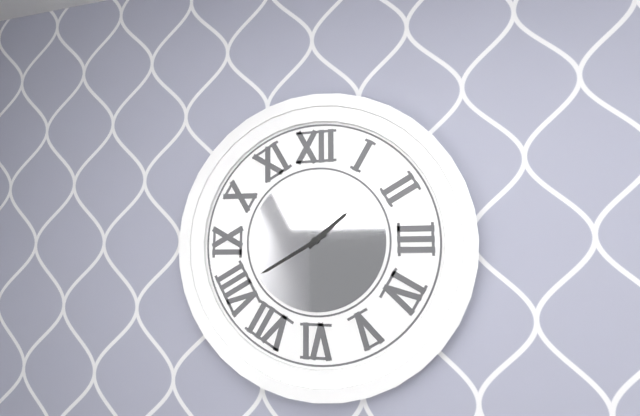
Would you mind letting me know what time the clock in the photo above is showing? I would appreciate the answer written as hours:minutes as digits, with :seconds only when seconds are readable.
1:40
